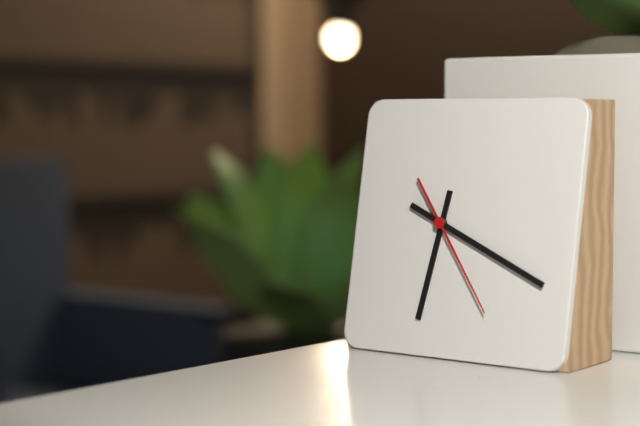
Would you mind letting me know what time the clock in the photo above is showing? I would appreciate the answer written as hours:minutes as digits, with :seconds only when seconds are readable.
6:19:24
